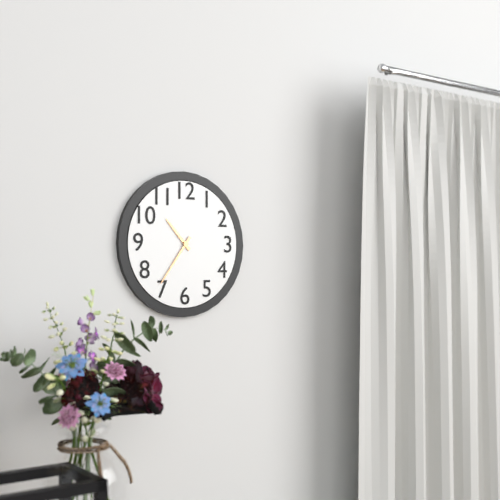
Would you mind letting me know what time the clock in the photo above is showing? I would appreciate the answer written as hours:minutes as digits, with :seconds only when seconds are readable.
10:36
